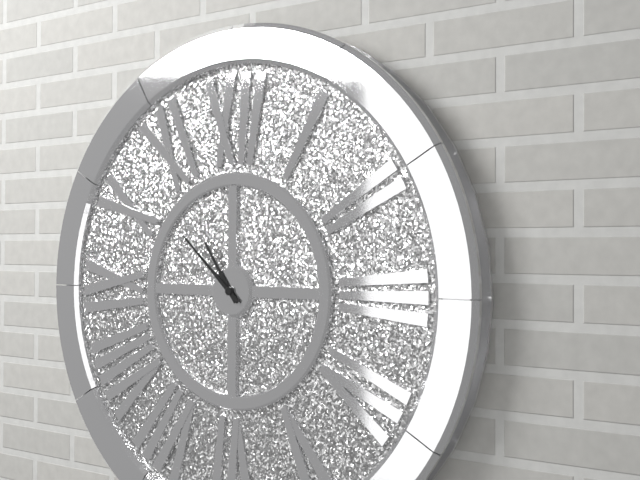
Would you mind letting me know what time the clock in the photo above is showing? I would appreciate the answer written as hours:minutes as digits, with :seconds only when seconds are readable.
10:52
